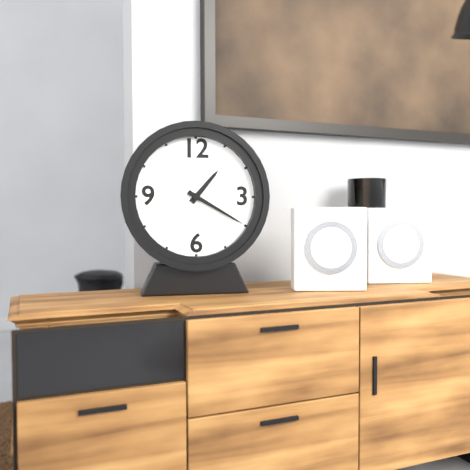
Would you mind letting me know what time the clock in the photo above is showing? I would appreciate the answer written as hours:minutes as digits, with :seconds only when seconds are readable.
1:20
